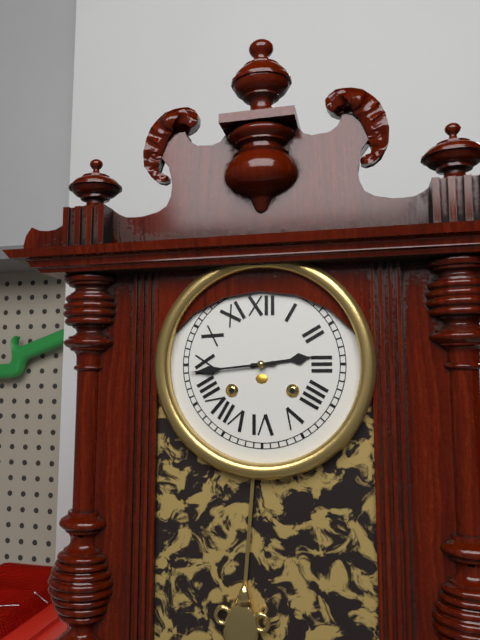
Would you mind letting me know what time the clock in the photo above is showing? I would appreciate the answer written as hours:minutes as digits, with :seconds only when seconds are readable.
2:44
